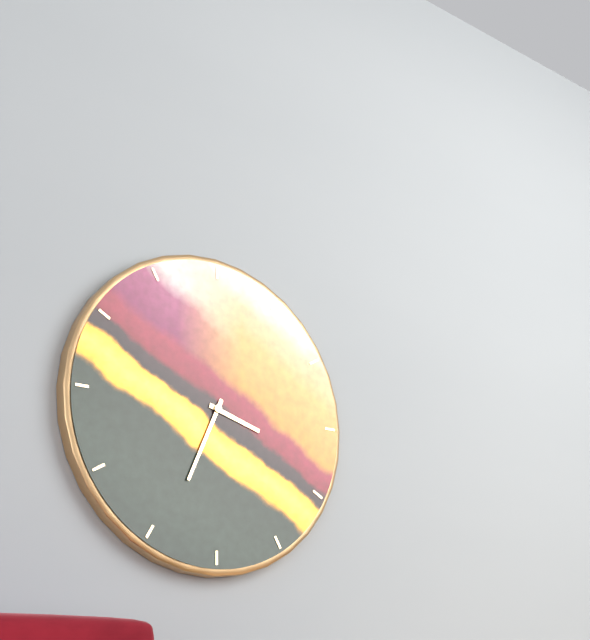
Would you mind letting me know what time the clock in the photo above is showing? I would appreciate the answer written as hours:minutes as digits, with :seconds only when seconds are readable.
3:34
